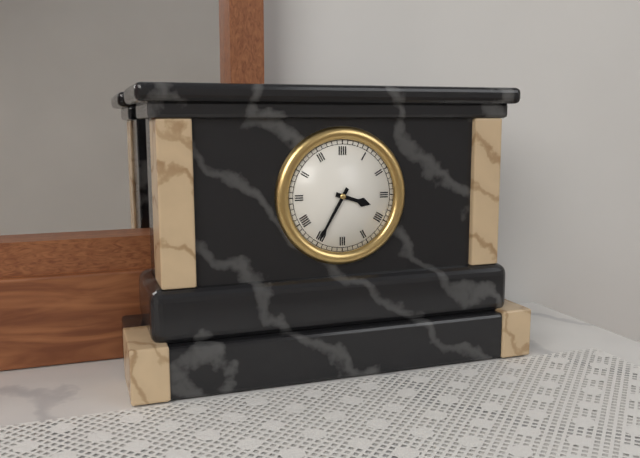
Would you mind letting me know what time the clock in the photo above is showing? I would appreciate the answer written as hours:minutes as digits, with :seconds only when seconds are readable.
3:35
